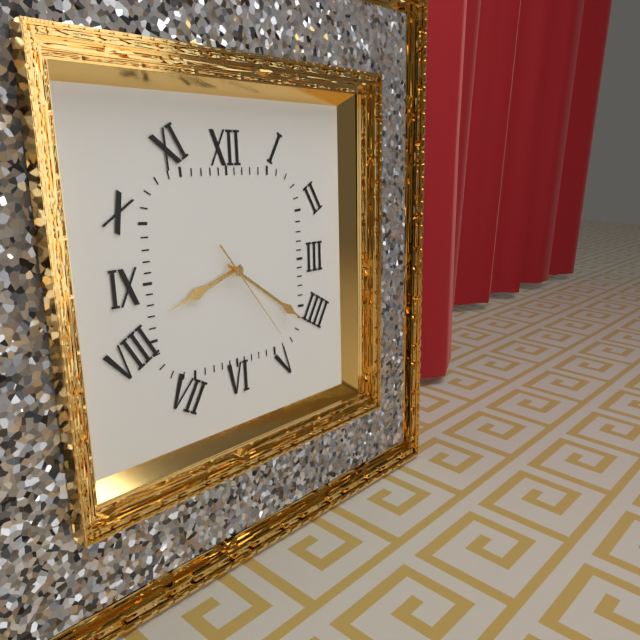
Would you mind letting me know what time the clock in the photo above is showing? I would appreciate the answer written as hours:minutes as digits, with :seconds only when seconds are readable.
8:21:24
